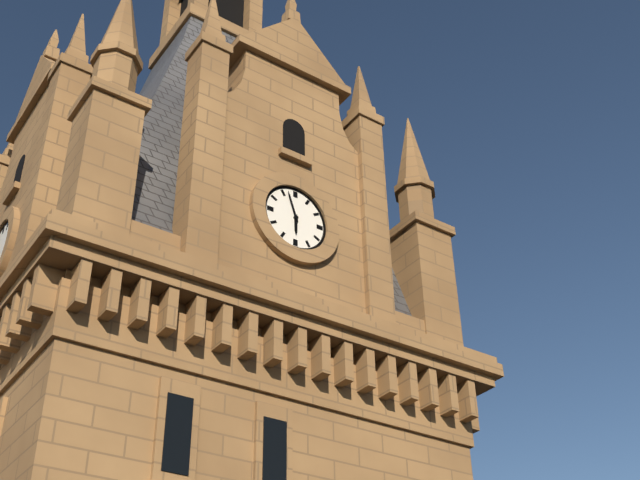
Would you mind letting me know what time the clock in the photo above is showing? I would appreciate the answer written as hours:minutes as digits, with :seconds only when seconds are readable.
5:57
